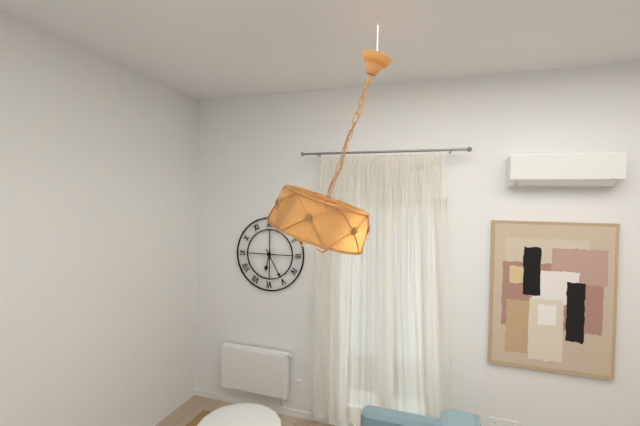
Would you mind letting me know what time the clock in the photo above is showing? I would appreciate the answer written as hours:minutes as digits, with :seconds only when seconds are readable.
6:25
